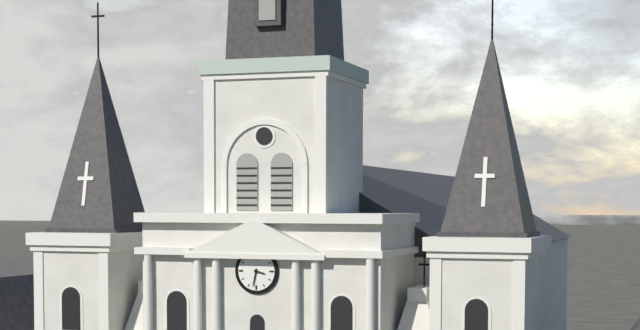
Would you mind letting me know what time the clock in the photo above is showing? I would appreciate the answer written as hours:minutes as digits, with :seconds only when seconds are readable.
3:32
